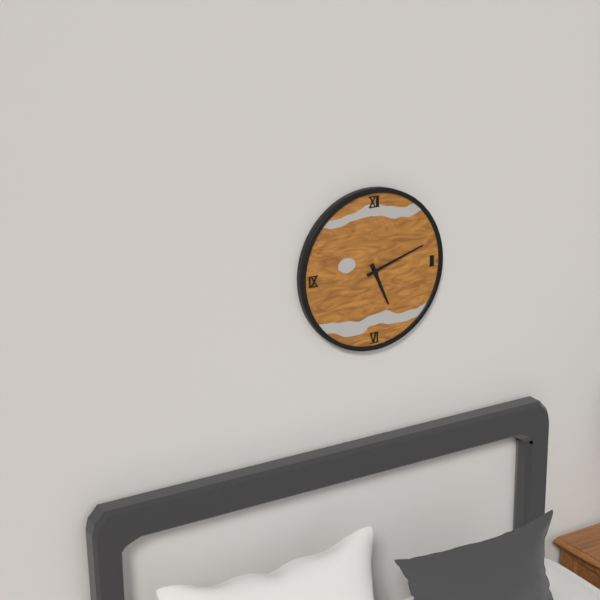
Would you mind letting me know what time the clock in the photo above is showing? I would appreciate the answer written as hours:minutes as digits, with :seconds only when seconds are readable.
5:12
